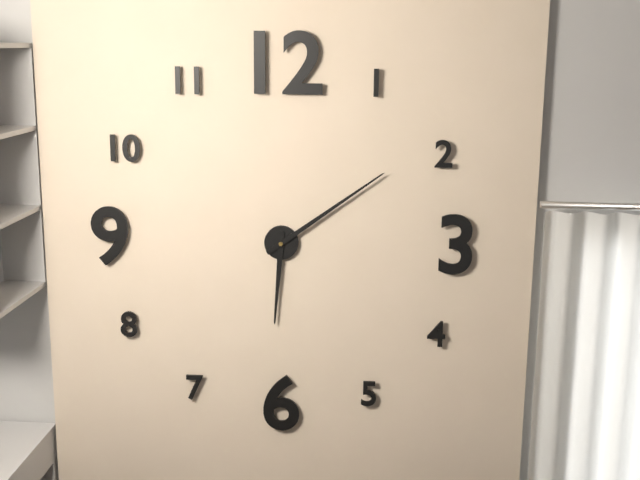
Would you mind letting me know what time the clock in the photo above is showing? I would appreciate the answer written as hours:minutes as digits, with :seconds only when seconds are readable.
6:09
